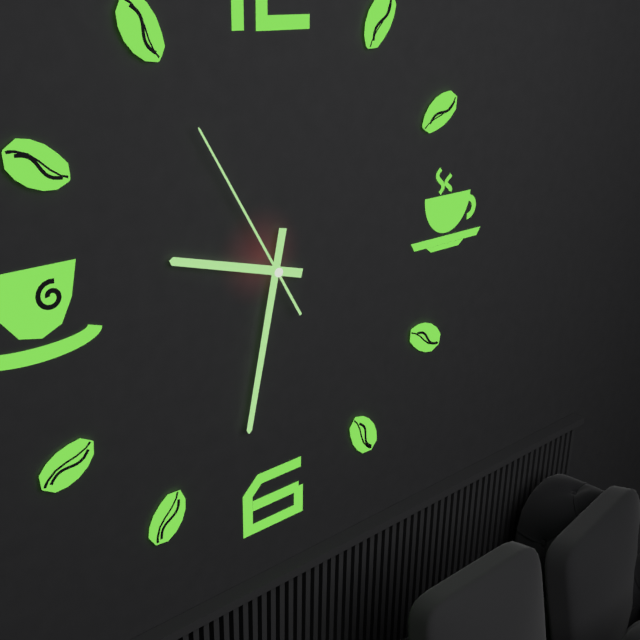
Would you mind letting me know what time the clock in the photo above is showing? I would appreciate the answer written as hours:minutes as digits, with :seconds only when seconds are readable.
9:32:55
